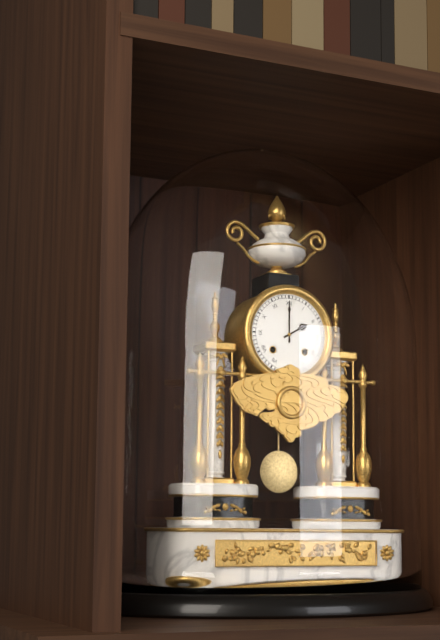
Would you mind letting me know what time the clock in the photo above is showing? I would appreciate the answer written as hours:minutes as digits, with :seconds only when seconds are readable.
2:00
